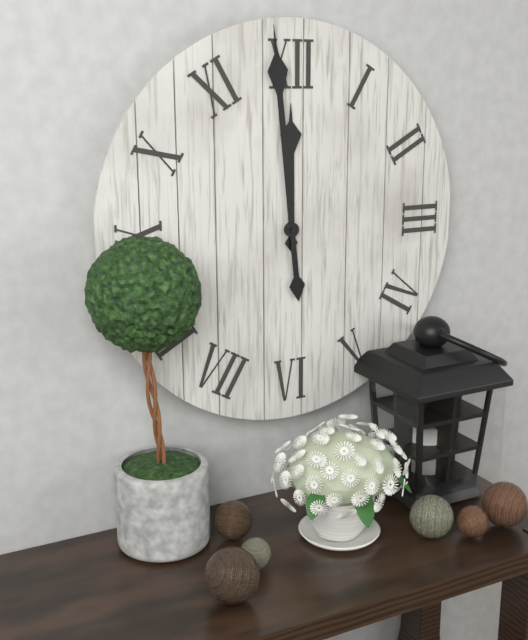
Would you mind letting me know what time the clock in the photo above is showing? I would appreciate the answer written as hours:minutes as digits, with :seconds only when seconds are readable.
11:59
